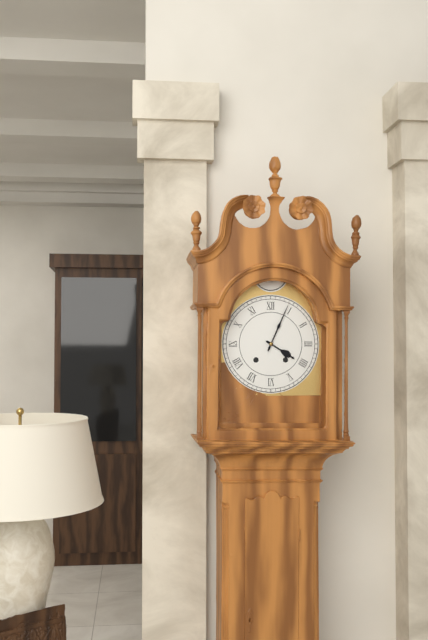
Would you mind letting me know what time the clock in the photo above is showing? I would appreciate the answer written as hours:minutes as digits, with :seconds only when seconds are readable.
4:04
